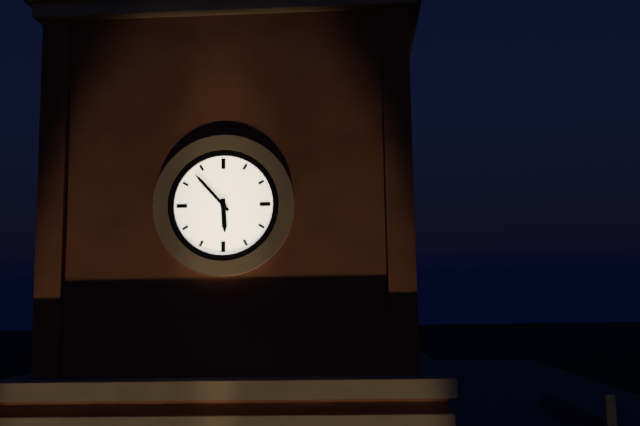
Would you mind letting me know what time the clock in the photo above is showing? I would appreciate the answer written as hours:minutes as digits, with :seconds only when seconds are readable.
5:53
